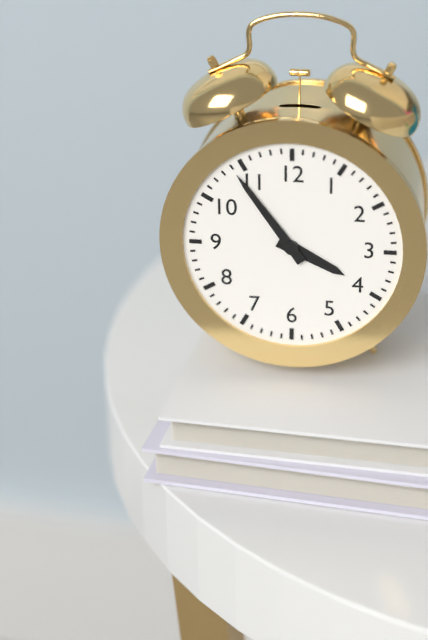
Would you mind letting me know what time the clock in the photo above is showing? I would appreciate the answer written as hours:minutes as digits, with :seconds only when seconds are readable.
3:54
